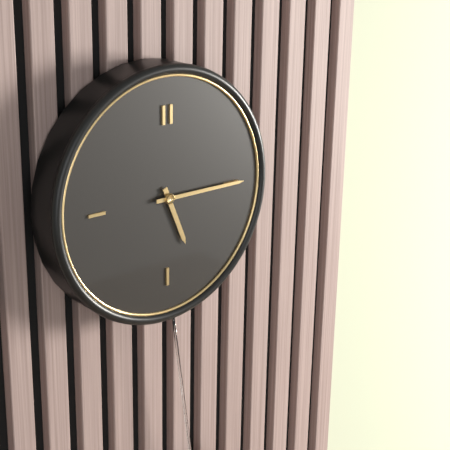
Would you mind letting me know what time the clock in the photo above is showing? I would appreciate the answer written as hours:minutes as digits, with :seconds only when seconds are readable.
5:15
